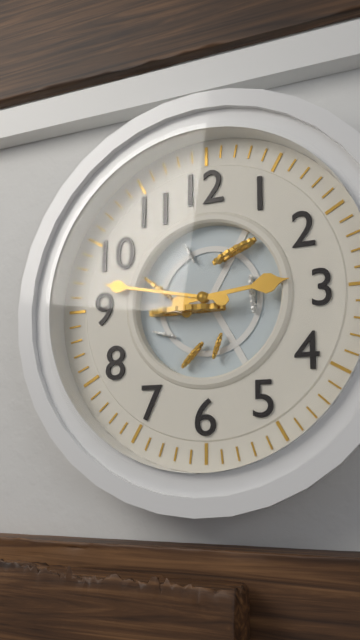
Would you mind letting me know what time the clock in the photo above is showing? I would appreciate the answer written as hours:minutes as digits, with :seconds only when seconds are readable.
2:47
